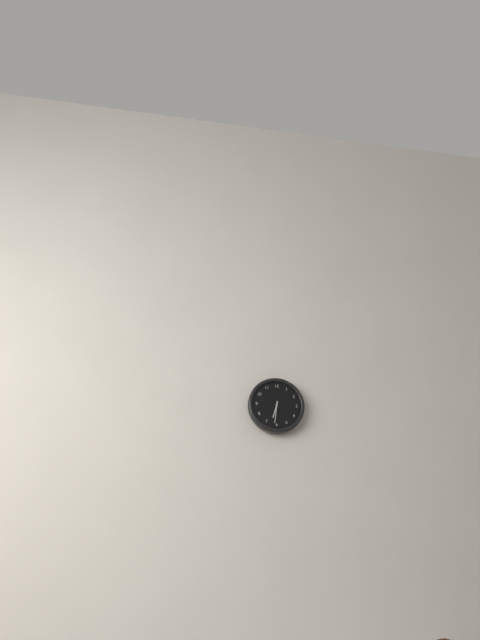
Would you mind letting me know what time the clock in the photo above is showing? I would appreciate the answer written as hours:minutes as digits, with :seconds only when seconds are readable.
6:31
